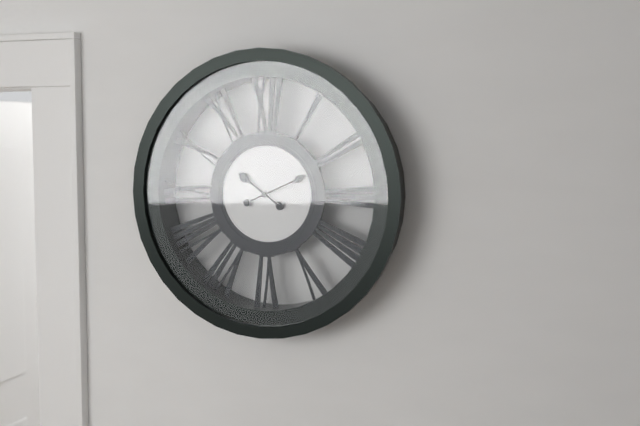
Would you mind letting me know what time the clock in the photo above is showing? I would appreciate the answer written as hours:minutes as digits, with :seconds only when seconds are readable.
10:11
